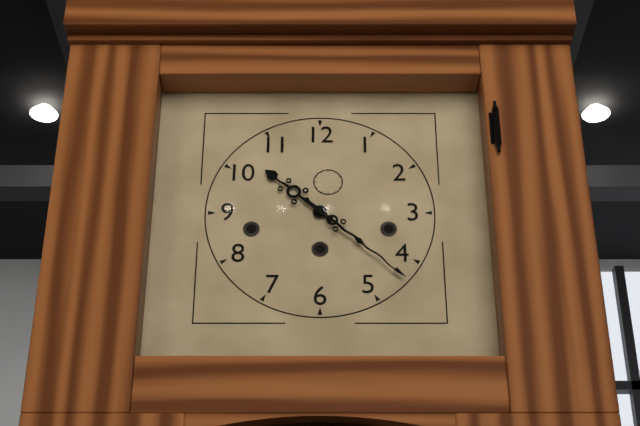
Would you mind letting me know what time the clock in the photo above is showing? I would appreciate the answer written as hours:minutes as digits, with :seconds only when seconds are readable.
10:22
